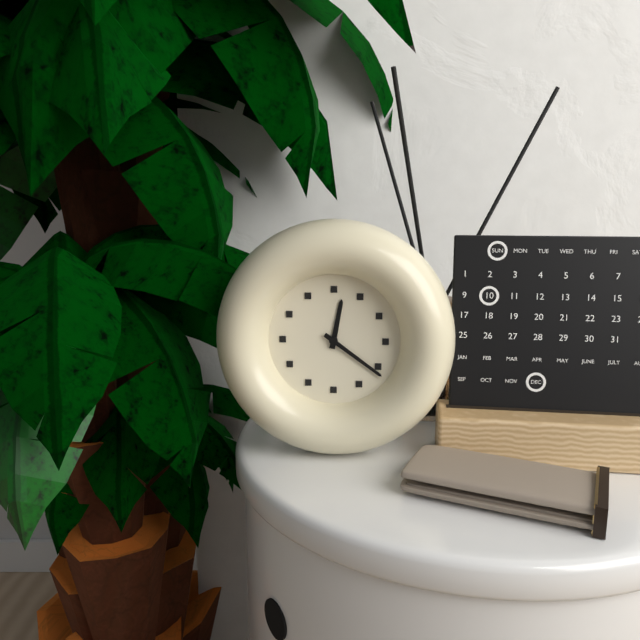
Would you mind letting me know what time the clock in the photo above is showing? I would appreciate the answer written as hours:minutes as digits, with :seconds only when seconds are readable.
12:21
